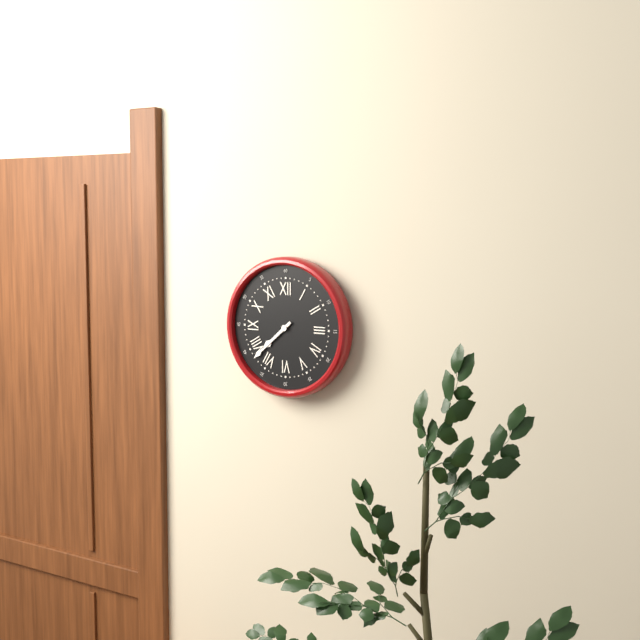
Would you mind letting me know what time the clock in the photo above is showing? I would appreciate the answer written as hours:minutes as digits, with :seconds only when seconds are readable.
7:38
